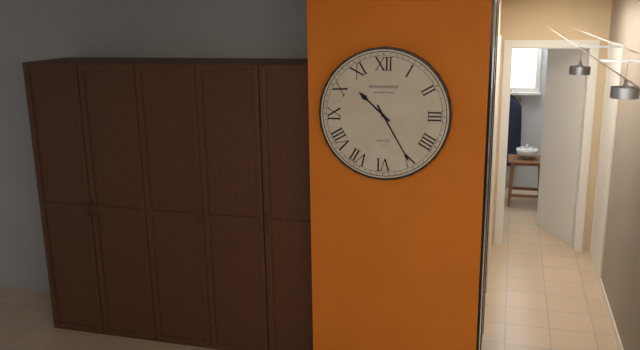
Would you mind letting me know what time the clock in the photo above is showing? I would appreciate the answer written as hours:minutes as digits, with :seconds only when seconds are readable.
10:25
